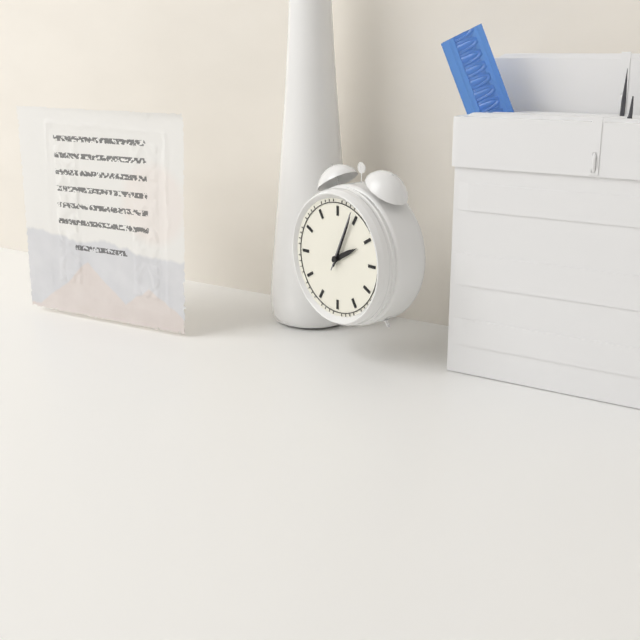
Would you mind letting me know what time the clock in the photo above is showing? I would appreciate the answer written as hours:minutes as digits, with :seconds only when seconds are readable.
2:04:04
